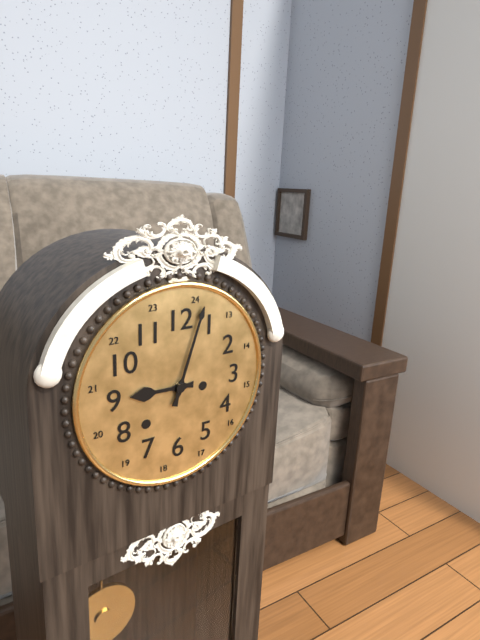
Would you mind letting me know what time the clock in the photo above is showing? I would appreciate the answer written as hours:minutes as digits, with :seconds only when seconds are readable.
9:03
